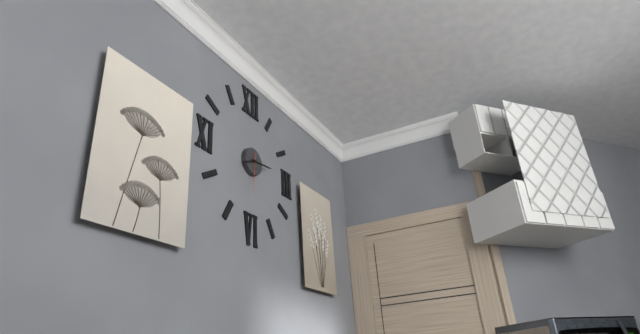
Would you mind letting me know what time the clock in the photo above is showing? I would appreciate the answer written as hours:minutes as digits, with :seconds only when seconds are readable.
8:14
